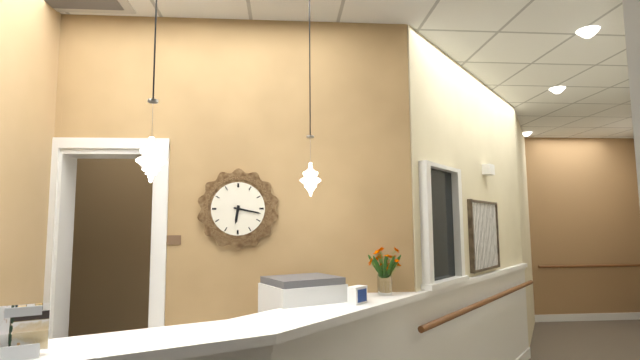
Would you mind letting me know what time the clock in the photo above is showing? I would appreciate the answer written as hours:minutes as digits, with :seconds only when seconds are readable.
6:17
